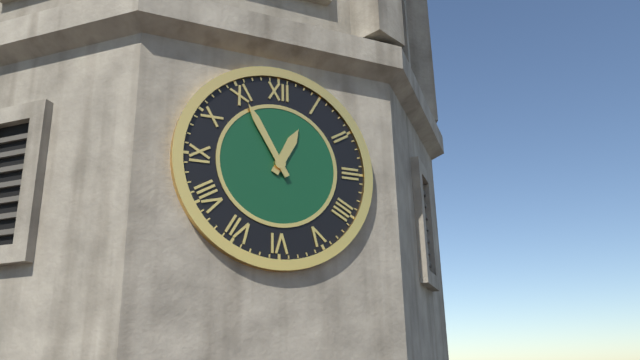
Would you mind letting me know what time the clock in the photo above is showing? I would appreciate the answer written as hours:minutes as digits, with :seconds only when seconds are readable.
12:55
